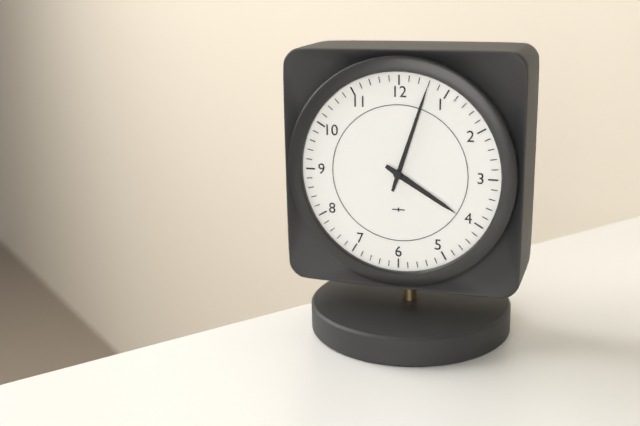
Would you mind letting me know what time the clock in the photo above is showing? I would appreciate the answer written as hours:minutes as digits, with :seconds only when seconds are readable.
4:03
